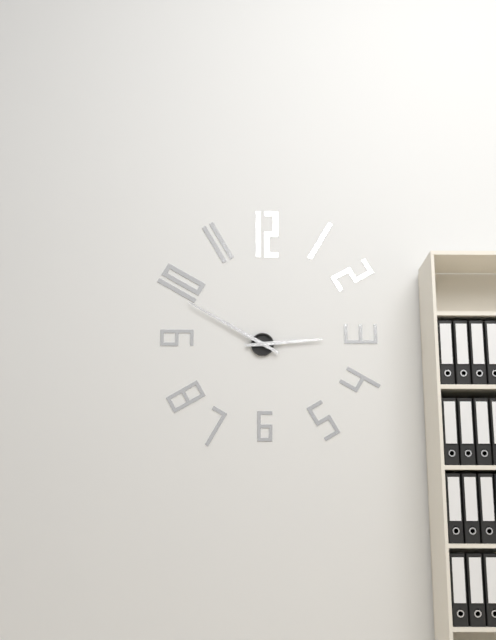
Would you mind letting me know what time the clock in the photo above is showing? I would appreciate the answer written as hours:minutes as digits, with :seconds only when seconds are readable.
2:50
